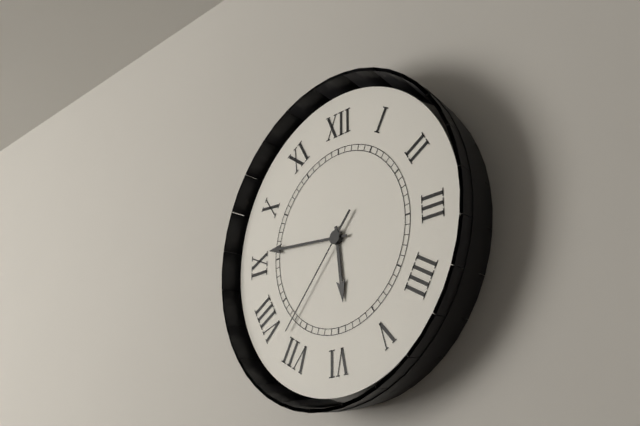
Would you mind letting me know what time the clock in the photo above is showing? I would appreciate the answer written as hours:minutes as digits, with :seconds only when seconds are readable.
5:46:37
